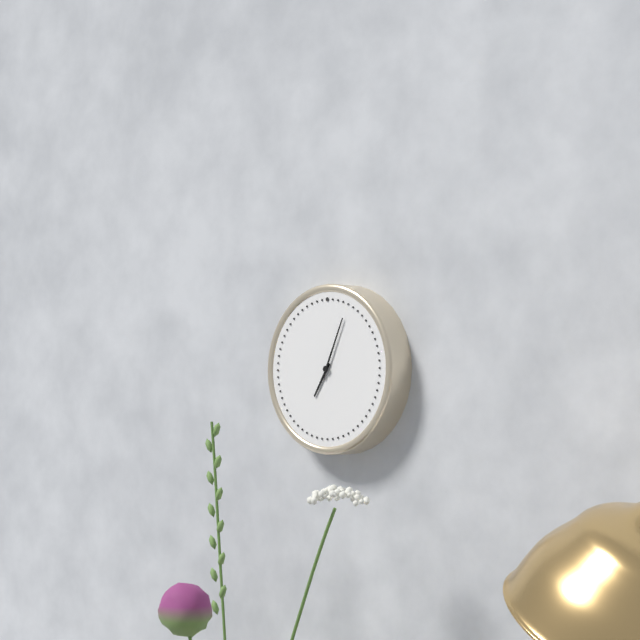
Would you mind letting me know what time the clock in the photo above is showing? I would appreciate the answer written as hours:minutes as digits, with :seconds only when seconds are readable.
7:04
